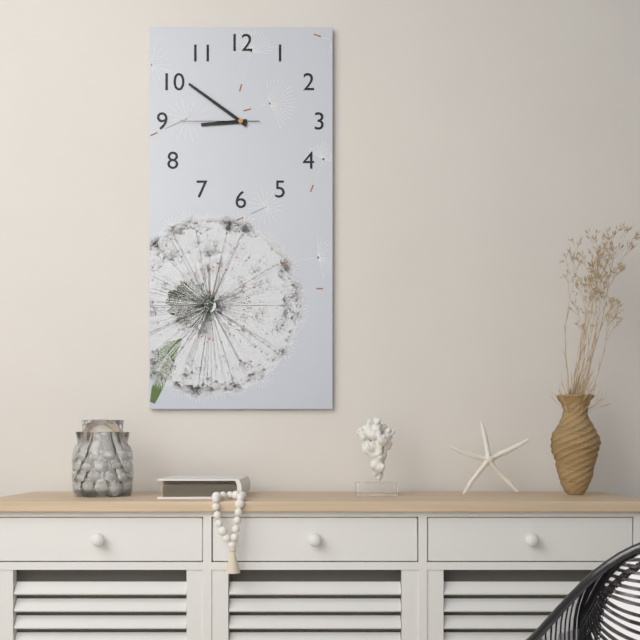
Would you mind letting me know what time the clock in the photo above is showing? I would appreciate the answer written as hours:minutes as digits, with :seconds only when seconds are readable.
8:51:45
